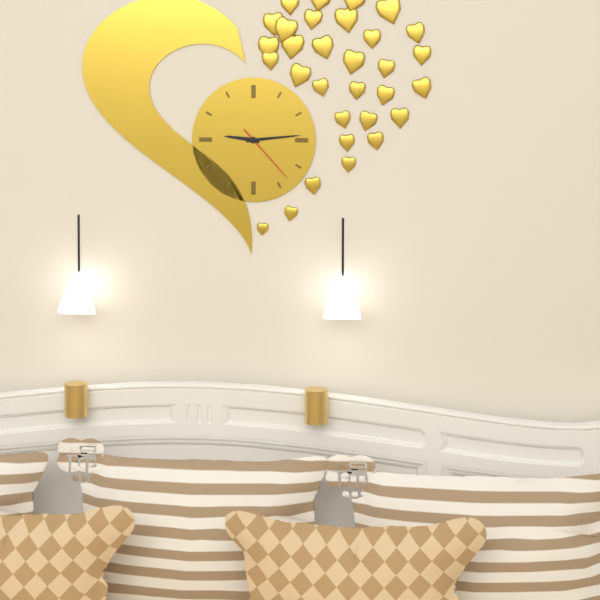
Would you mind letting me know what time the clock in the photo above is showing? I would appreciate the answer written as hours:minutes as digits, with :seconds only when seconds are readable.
9:14:23
